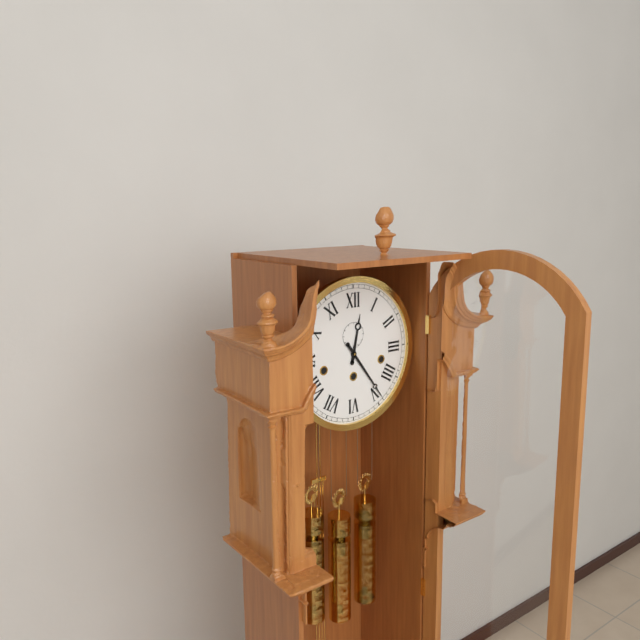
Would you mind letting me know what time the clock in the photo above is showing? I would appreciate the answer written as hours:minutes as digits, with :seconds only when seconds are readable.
12:24
